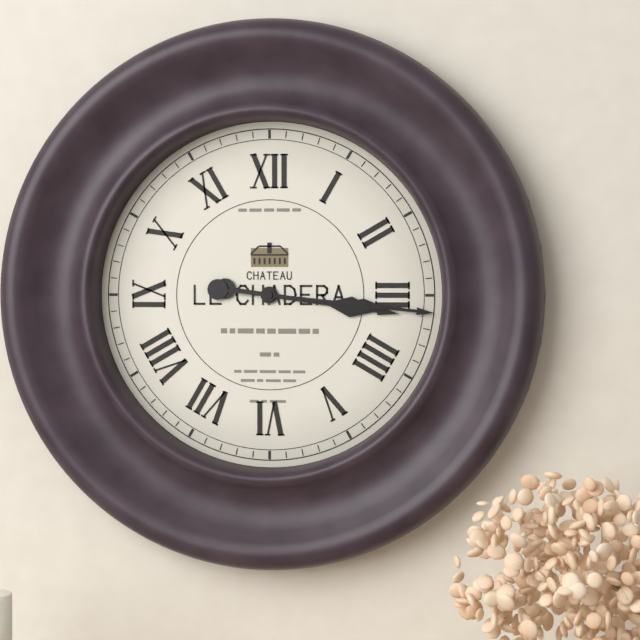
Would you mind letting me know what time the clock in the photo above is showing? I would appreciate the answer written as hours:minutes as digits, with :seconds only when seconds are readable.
3:16
